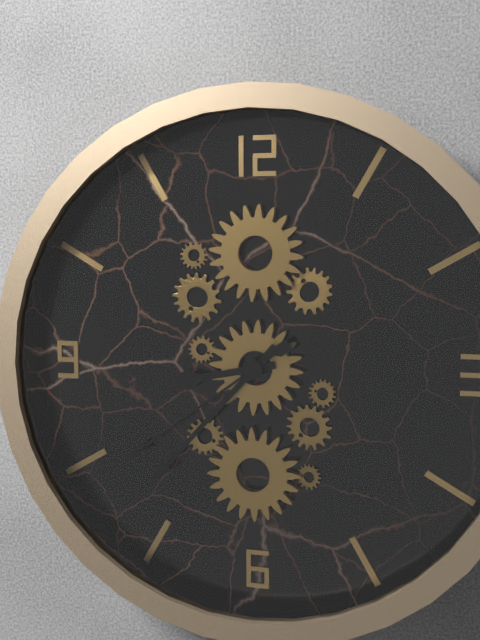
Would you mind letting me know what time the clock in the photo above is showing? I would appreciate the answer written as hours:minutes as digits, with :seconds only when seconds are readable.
8:37:39
